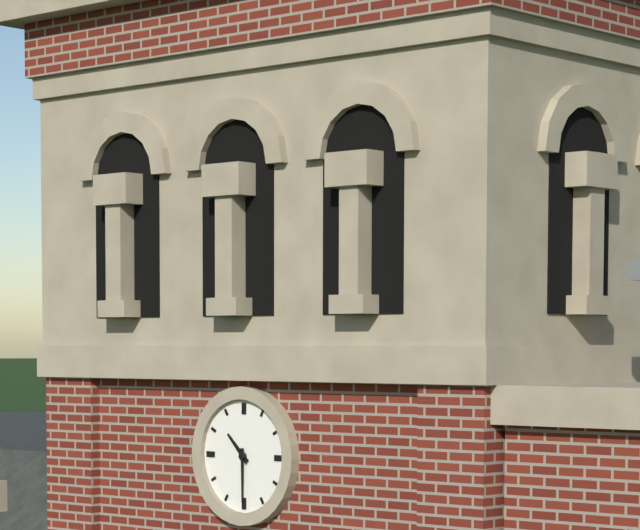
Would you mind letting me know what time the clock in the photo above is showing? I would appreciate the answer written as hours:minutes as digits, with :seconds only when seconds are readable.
10:30
